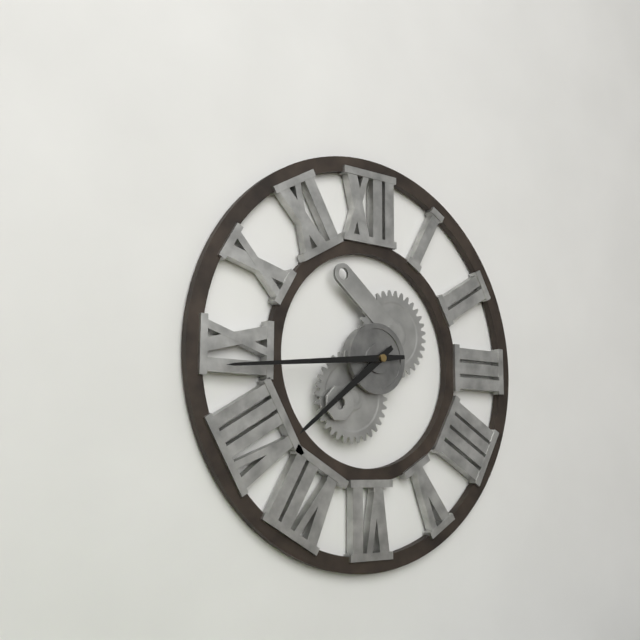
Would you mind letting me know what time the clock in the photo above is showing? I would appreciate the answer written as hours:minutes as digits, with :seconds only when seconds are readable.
7:44
